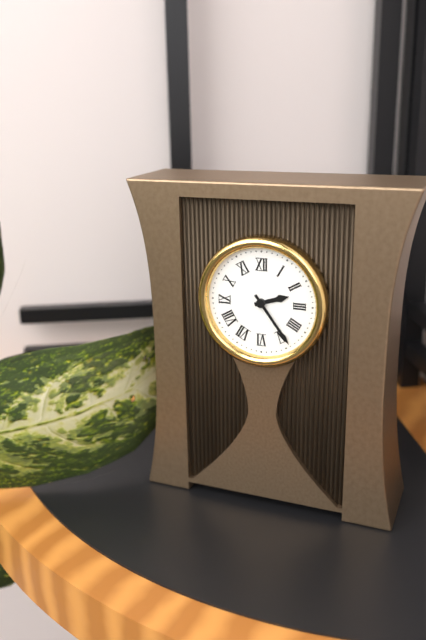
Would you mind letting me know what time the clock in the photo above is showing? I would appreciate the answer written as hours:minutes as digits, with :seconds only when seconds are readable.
2:24
